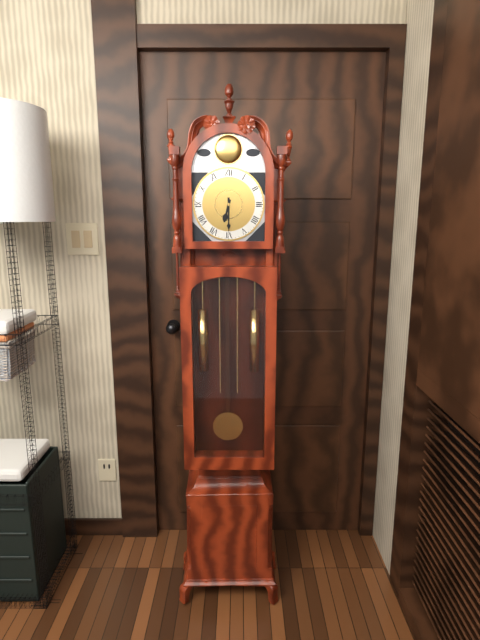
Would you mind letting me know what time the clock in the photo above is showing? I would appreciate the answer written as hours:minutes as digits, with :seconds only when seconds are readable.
6:30
